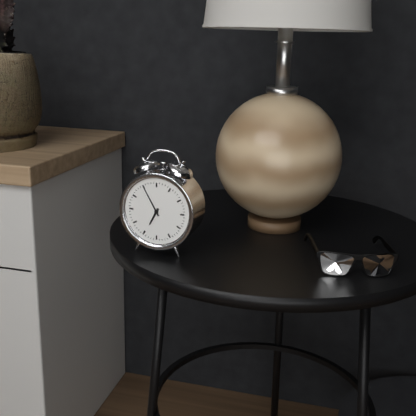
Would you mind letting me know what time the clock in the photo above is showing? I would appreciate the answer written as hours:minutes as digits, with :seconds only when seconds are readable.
6:55
